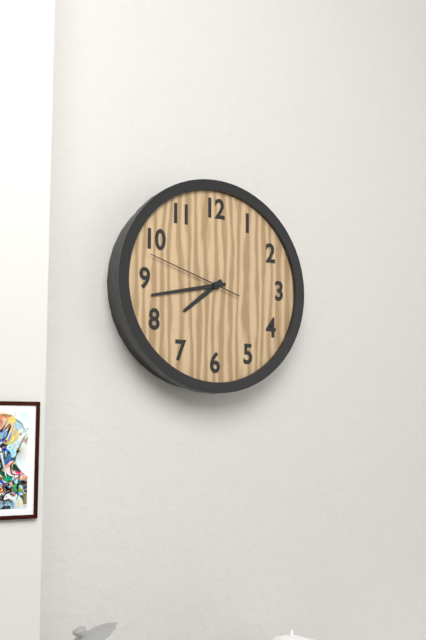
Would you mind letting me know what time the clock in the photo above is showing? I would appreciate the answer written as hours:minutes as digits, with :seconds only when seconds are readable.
7:43:48
